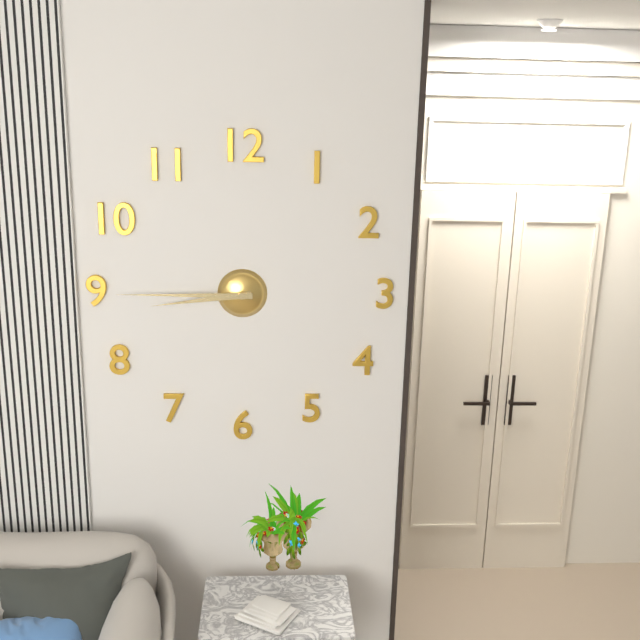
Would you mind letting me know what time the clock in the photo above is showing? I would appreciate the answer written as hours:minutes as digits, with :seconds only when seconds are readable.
8:45
